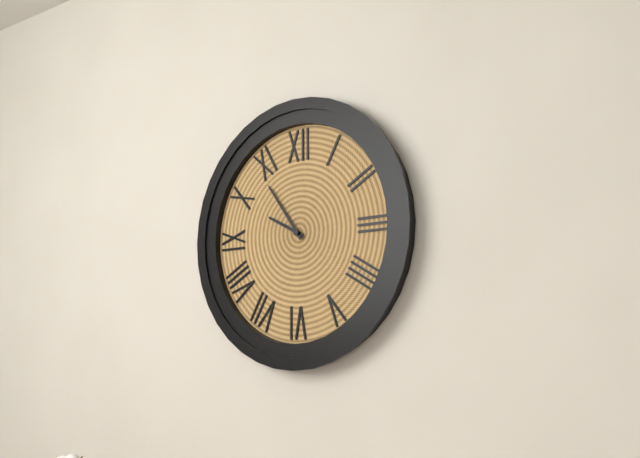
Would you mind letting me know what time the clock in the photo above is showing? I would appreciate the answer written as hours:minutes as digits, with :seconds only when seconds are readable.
9:54
